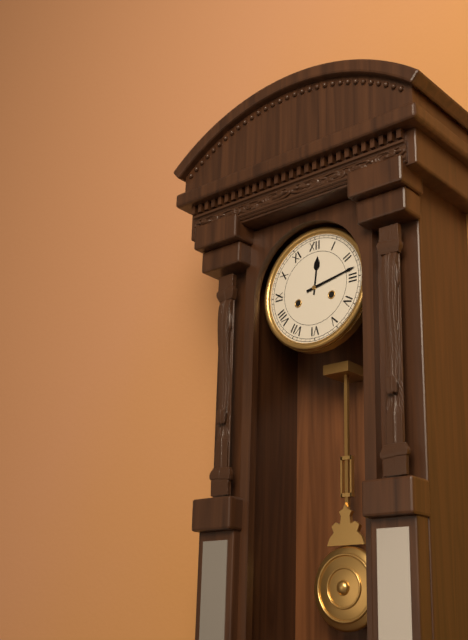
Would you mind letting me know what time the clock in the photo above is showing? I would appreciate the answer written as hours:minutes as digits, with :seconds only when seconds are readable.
12:13
